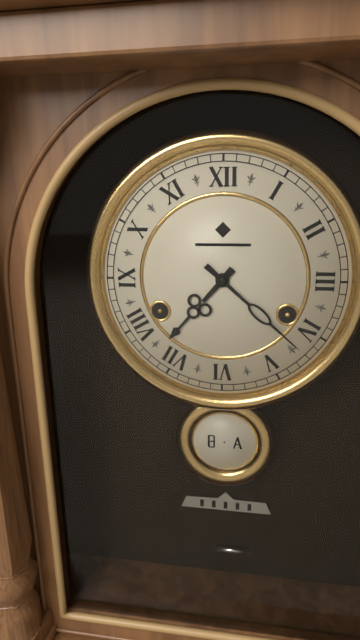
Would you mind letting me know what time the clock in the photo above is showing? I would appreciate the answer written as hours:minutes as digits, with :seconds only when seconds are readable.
7:22
